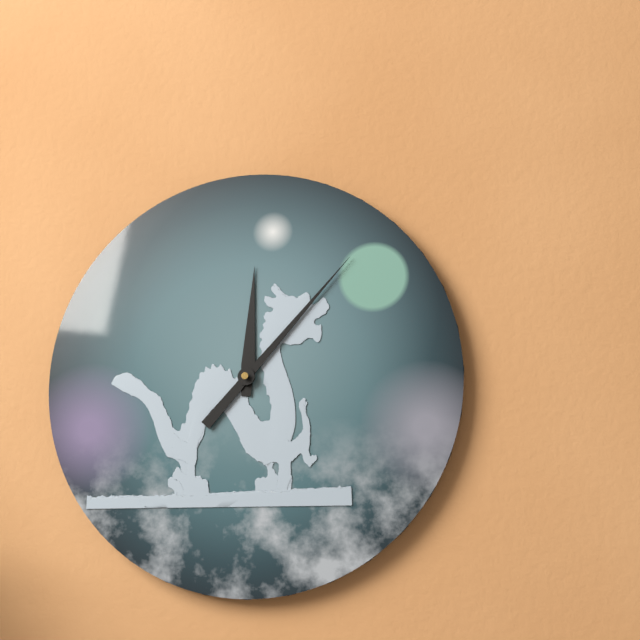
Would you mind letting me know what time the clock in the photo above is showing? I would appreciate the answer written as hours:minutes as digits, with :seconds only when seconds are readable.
12:07
